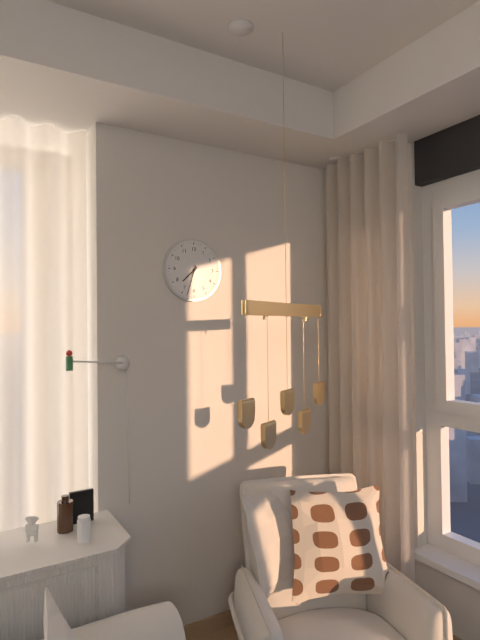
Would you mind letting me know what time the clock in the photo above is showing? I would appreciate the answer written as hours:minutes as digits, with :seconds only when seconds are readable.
7:33
